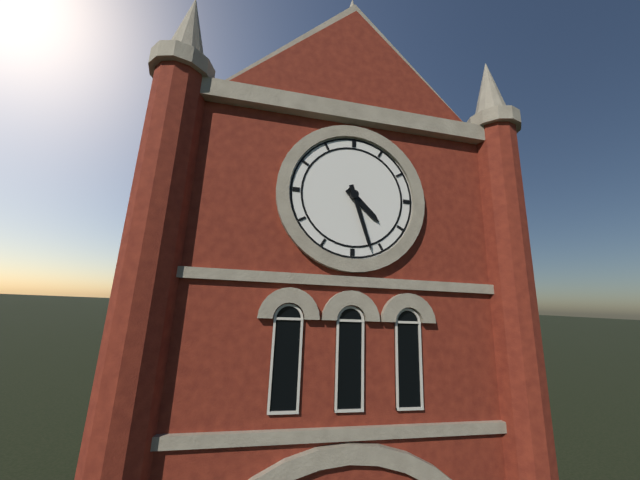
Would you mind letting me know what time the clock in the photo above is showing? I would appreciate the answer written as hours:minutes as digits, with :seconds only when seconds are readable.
4:27
